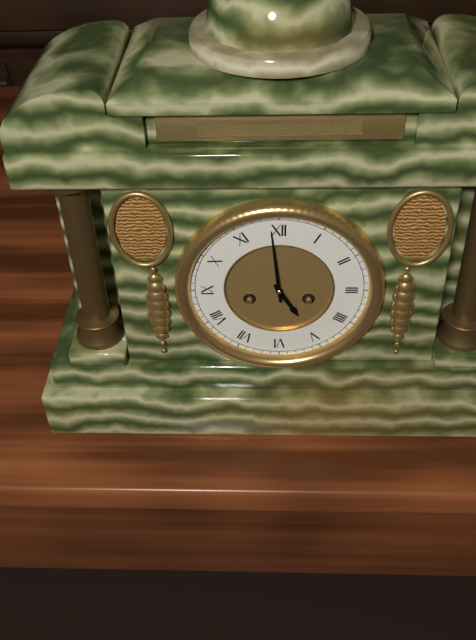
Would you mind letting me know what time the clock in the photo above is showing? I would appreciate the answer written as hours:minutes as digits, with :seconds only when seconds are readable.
4:59
